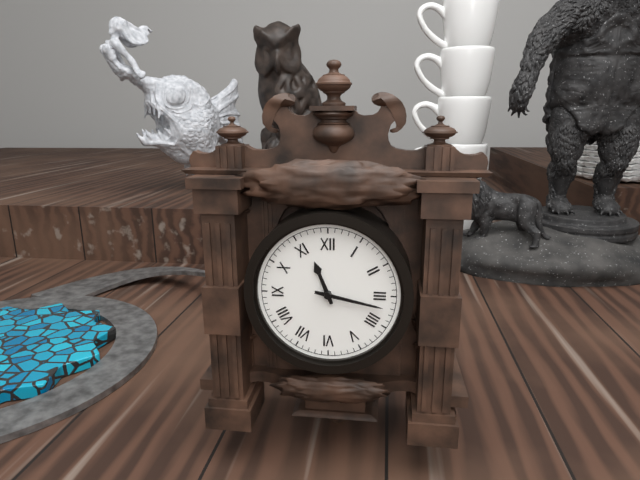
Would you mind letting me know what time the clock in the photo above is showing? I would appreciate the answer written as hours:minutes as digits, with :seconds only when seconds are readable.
11:17
